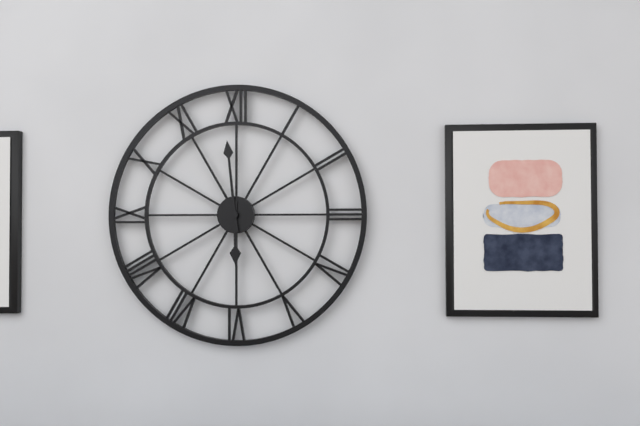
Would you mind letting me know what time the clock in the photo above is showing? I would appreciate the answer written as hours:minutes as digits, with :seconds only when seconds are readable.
5:59
